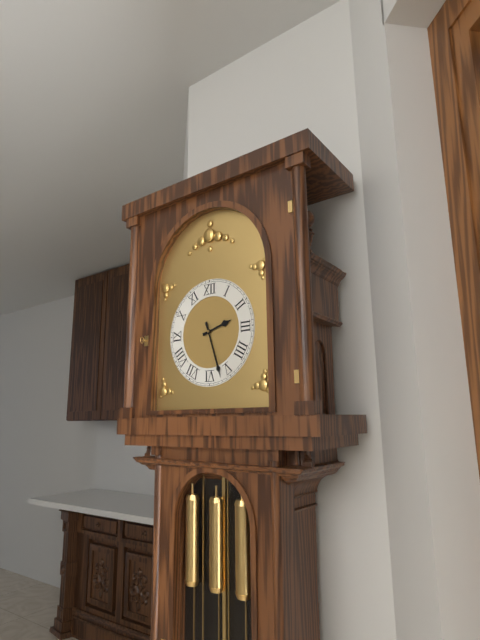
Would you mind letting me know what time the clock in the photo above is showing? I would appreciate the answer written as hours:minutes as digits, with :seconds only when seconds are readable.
2:27
